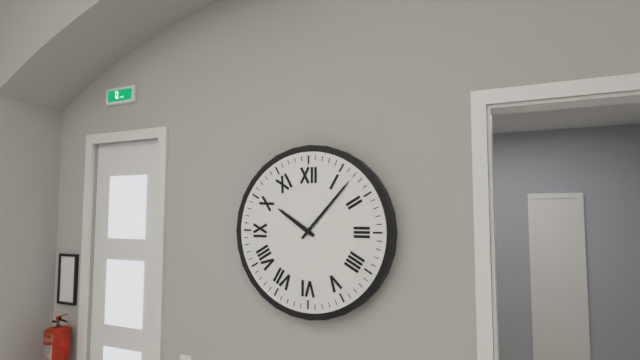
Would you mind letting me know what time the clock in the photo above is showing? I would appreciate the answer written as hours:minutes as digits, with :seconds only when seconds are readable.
10:07
